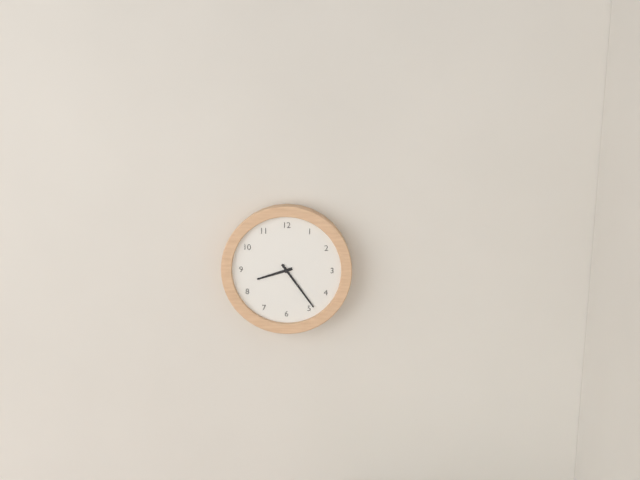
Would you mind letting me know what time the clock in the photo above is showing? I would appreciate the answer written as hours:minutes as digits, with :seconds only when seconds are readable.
8:24
